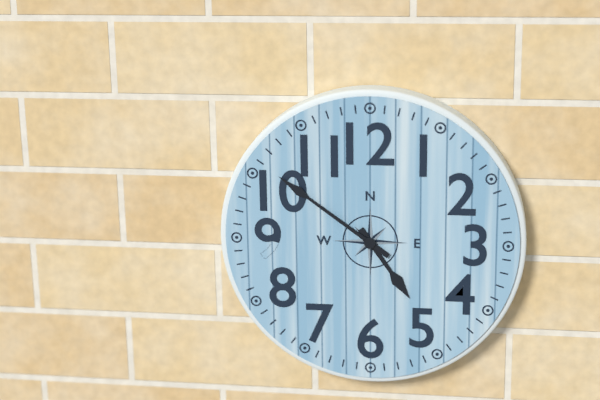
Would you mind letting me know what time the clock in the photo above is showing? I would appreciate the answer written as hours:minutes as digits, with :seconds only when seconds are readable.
4:51
